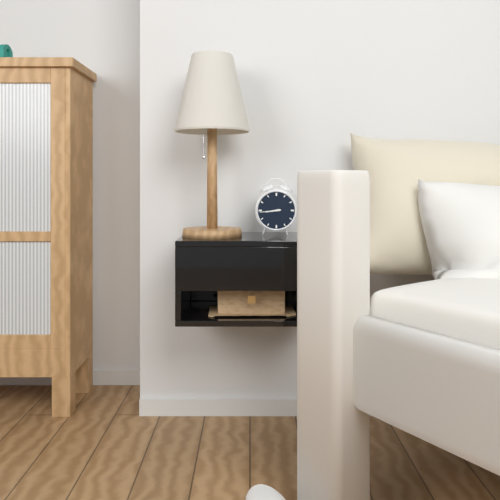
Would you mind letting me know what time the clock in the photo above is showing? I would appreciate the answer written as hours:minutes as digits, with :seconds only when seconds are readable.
8:44
